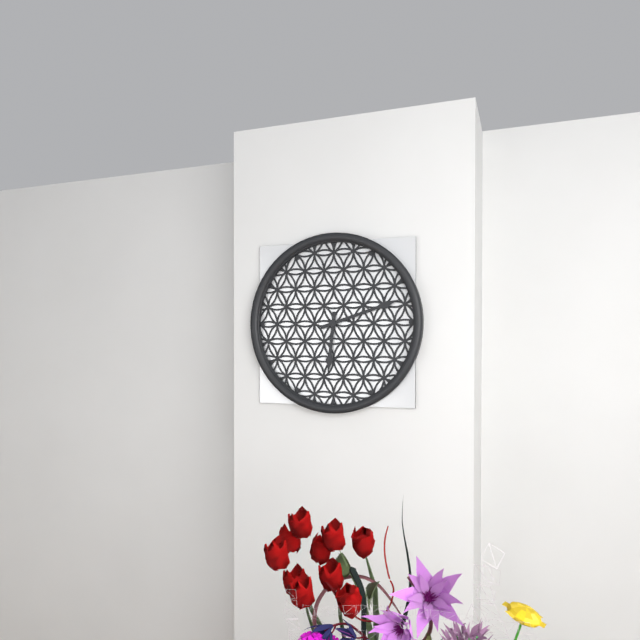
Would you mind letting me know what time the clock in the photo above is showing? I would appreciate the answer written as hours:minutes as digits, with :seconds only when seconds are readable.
6:12
